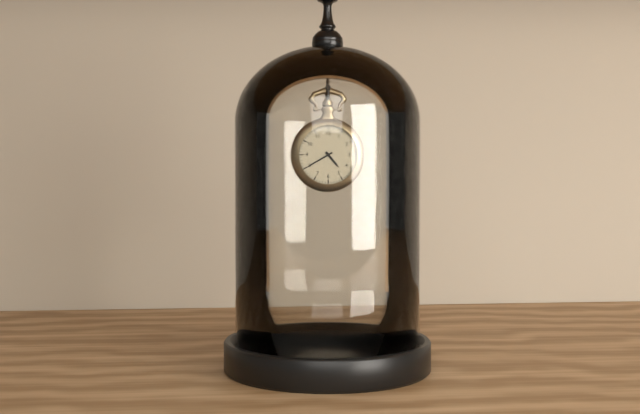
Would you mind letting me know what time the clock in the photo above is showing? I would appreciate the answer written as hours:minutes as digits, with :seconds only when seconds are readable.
4:40
